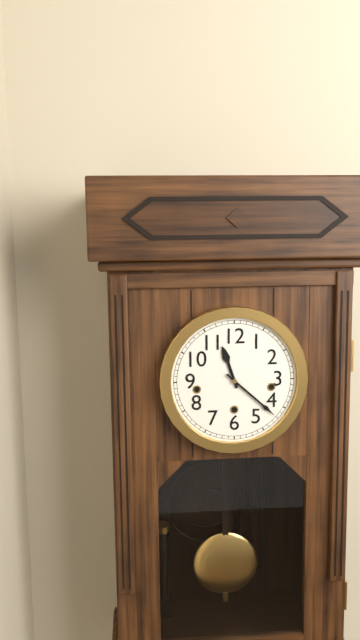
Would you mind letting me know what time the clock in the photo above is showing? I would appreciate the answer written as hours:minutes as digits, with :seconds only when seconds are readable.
11:22
